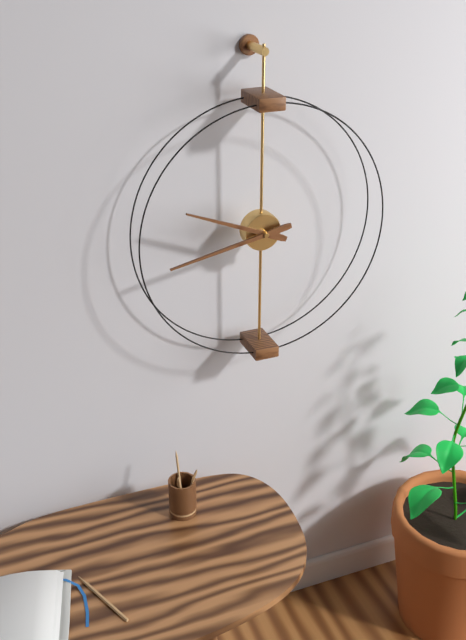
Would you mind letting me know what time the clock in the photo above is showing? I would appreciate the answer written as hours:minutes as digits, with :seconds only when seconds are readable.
9:43
